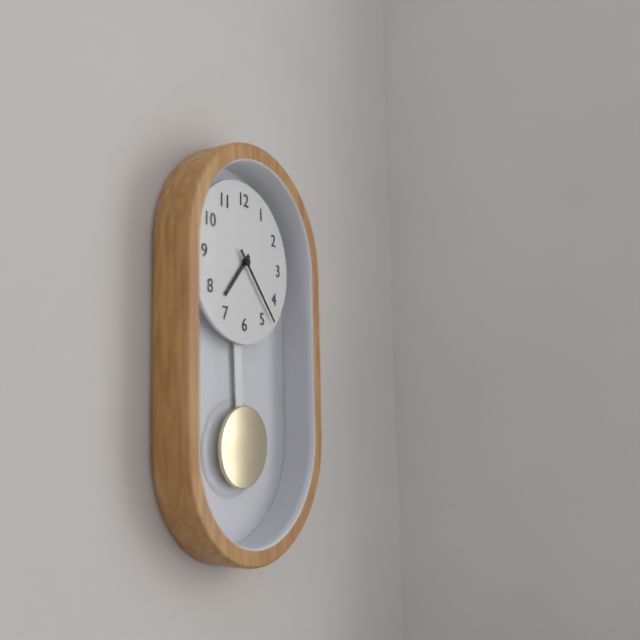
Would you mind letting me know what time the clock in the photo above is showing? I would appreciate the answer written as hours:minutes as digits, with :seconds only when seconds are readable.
7:23
